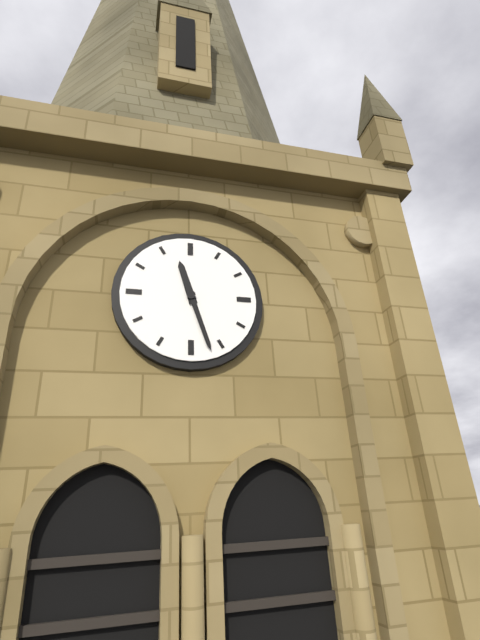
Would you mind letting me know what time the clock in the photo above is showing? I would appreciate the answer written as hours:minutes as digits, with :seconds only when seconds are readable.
11:27
